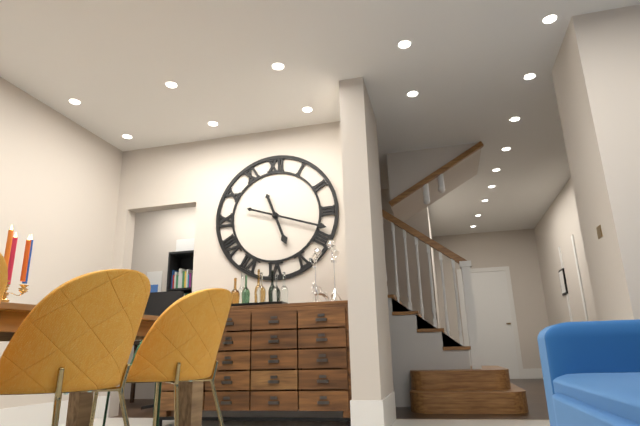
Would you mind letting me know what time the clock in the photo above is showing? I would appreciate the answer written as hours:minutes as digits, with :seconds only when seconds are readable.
5:18
